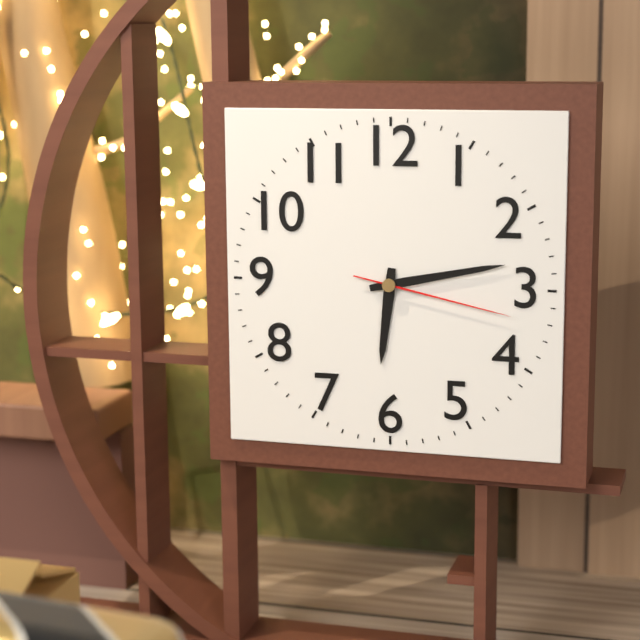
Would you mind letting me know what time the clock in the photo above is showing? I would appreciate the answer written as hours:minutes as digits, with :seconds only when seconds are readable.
6:13:17
